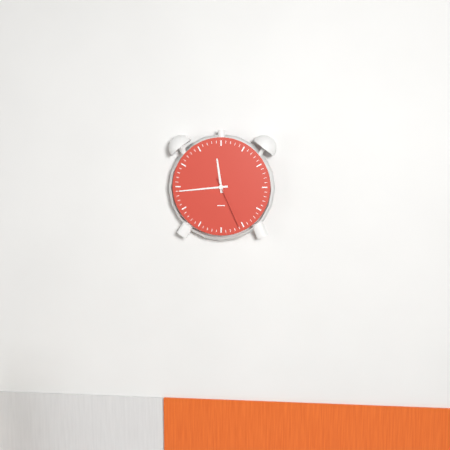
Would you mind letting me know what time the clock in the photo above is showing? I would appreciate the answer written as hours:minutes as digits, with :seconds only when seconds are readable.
11:44:26
